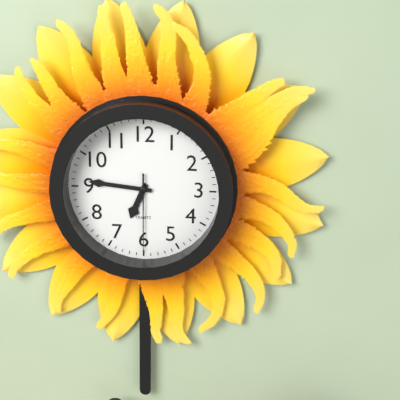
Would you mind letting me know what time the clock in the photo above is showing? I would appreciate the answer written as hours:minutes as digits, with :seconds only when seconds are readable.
6:46:30
